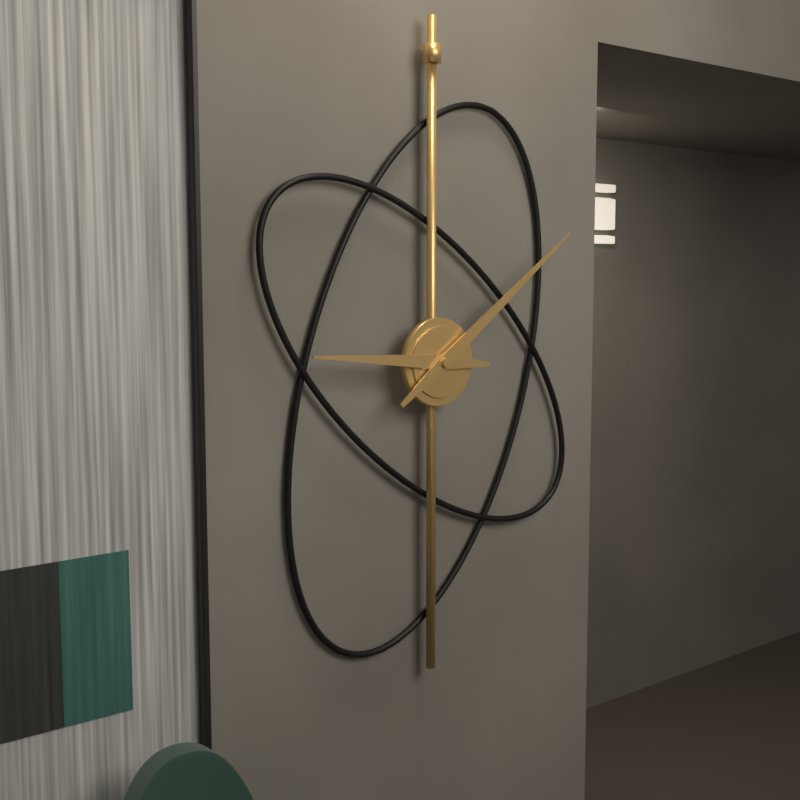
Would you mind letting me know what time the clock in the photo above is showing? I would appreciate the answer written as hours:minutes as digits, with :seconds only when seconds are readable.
9:09
